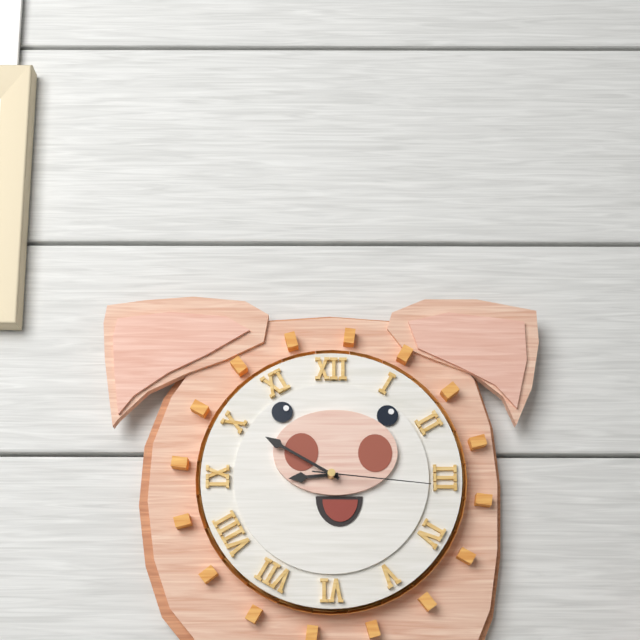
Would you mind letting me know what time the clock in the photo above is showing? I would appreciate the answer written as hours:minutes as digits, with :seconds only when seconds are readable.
8:50:16
